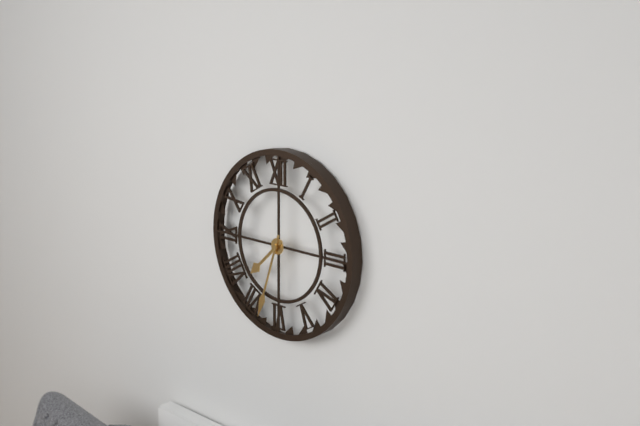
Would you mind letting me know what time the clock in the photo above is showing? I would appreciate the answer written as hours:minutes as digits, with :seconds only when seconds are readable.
7:33
